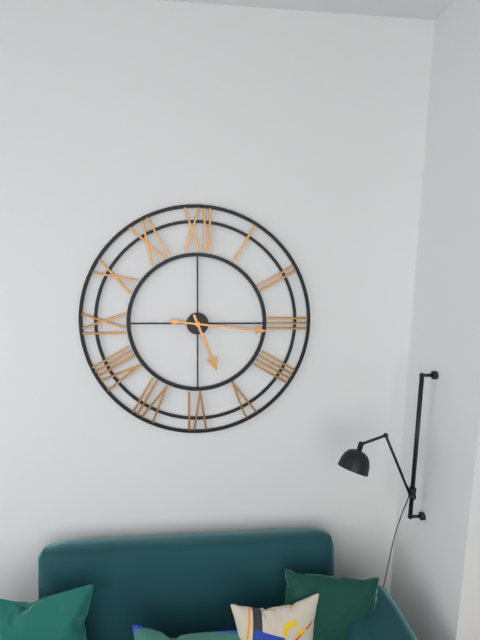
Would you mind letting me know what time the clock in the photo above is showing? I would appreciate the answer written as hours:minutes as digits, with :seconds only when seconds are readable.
5:16
